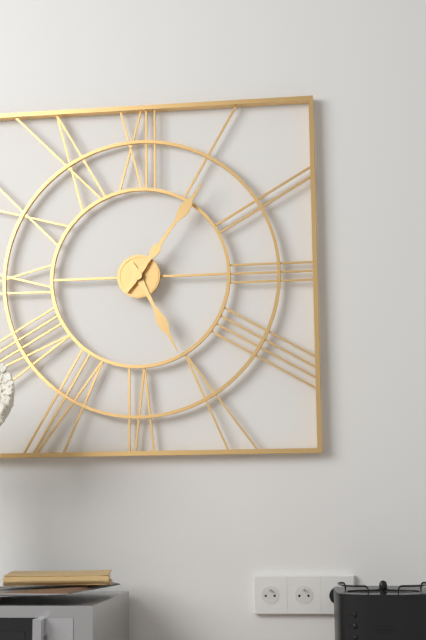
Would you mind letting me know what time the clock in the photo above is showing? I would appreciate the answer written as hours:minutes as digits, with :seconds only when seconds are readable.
5:06
